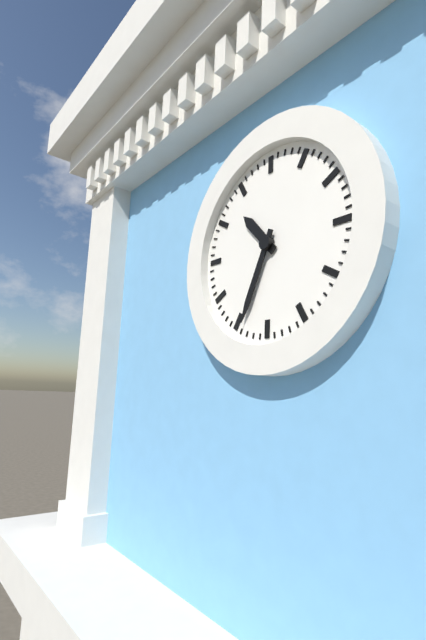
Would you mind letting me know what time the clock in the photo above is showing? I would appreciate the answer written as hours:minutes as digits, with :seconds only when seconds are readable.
10:34
